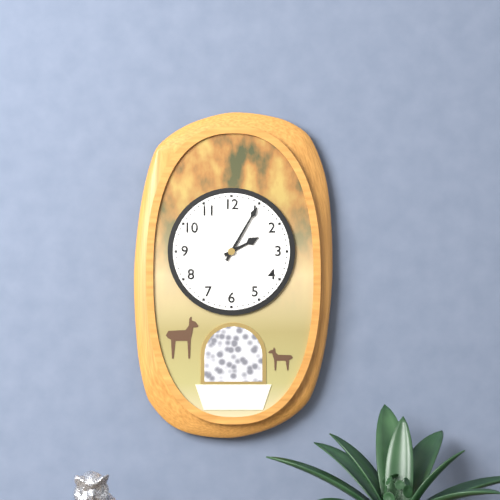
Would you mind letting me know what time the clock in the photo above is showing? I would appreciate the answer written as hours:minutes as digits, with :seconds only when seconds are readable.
2:05
